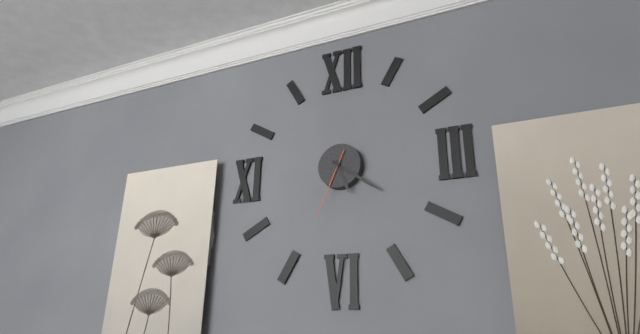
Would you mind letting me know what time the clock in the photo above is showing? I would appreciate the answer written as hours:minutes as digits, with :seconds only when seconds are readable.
5:21:34
